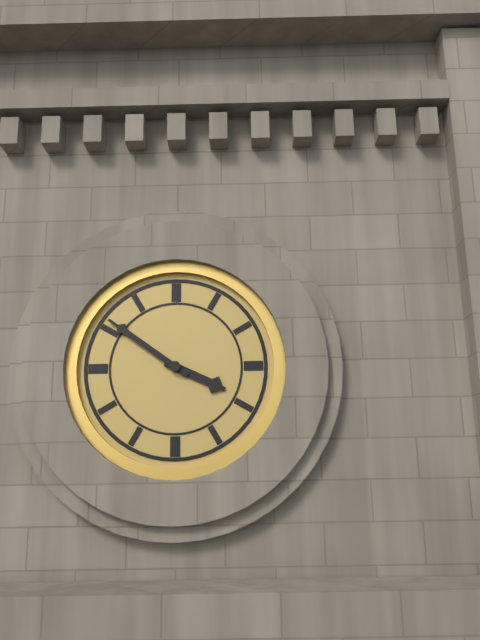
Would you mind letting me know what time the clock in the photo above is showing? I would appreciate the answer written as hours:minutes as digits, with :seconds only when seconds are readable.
3:51
